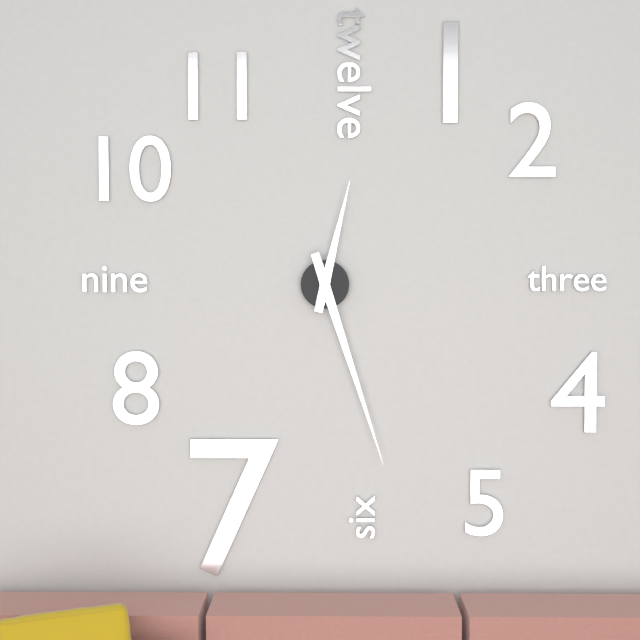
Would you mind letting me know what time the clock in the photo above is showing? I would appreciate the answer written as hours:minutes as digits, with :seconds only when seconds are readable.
12:27
